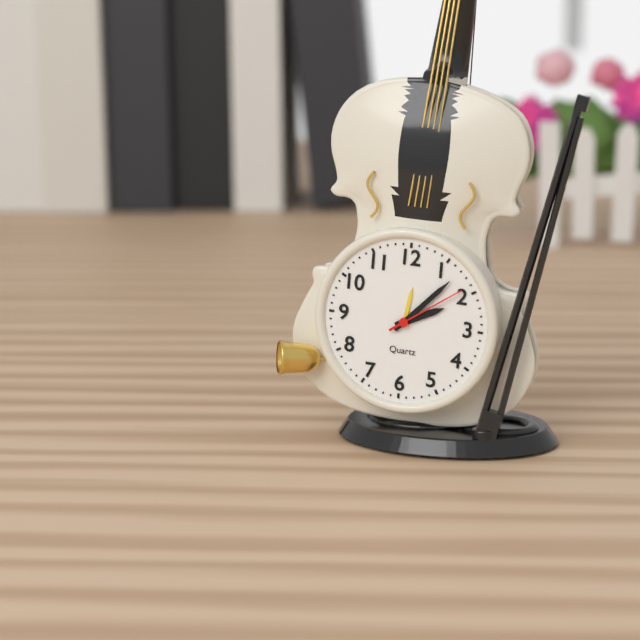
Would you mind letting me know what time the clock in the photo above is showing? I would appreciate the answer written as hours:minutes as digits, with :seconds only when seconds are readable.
2:07:09
